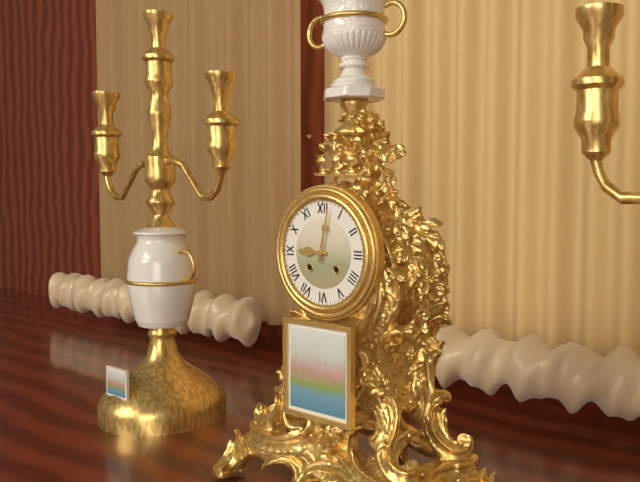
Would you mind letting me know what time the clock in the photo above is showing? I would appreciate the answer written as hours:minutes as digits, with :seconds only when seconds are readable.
9:02
